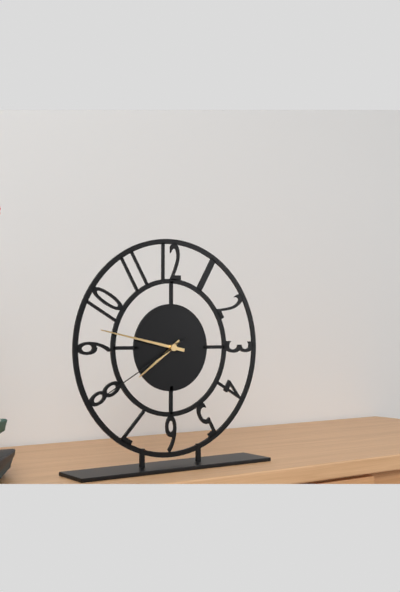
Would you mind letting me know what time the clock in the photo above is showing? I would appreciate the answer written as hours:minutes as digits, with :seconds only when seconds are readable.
7:47:40
